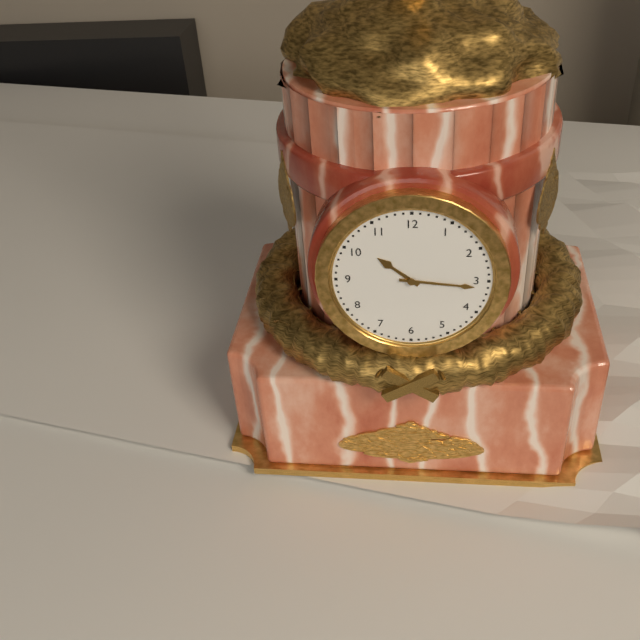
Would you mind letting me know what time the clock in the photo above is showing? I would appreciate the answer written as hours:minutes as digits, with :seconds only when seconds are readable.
10:16
